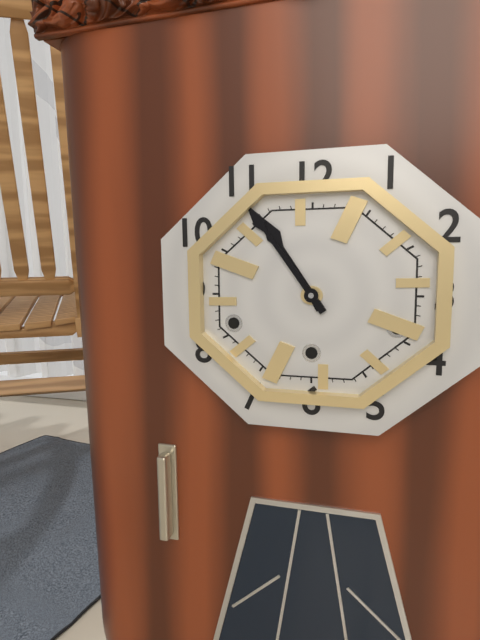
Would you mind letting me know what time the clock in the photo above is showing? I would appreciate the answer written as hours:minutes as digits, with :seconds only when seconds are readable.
10:54
